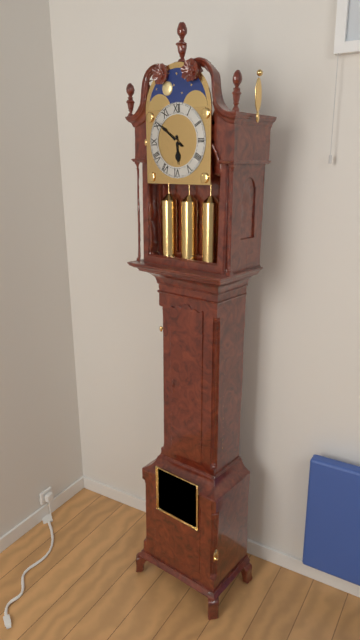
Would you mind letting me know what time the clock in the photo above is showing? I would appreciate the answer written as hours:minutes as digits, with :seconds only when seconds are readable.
5:51
